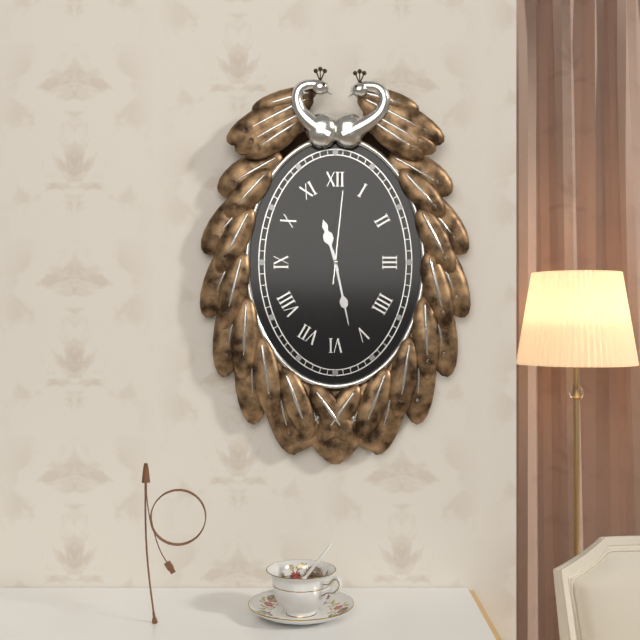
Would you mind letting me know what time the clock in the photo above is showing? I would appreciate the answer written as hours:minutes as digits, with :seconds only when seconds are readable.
11:28:01
